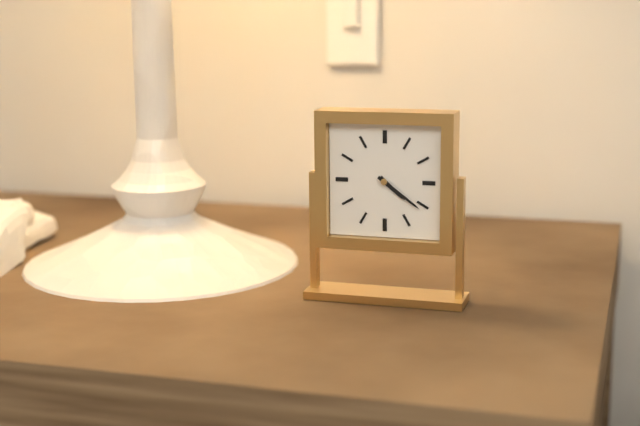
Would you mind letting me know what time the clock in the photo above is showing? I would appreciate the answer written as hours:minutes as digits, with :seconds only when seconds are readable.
4:21
